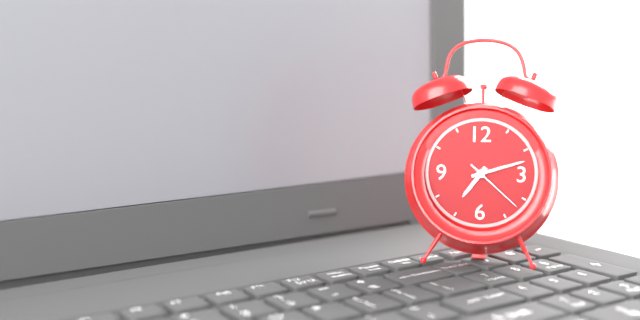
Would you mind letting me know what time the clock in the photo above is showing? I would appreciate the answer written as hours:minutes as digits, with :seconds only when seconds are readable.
7:12:22
